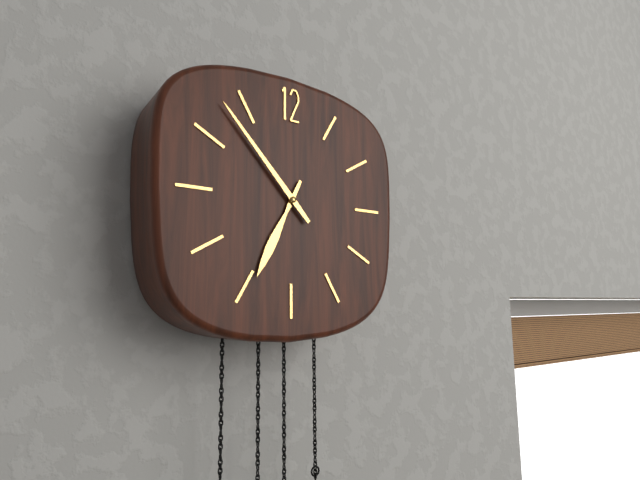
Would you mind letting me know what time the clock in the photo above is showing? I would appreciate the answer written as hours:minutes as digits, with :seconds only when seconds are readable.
6:53
